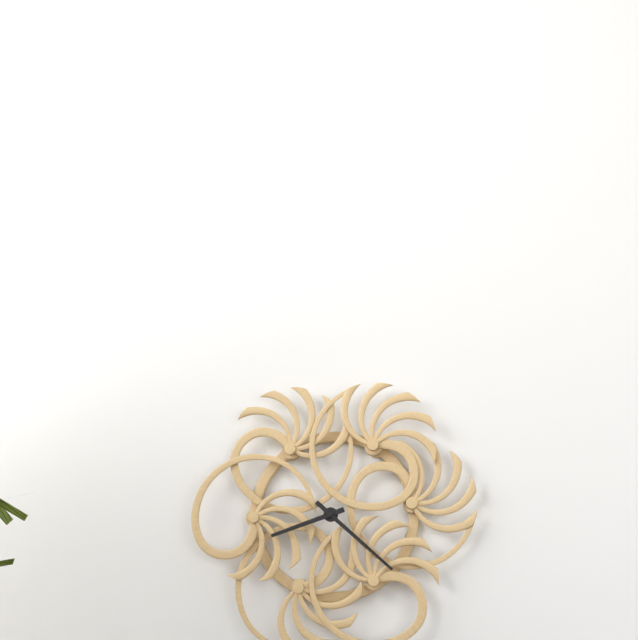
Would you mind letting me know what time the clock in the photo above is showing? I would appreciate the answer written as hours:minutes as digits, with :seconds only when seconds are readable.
8:22
